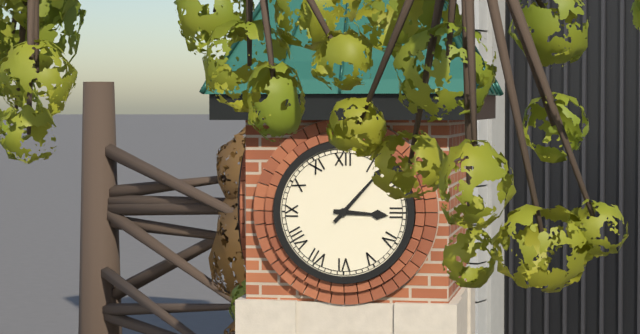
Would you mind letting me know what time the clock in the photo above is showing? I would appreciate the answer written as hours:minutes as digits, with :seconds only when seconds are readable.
3:07
